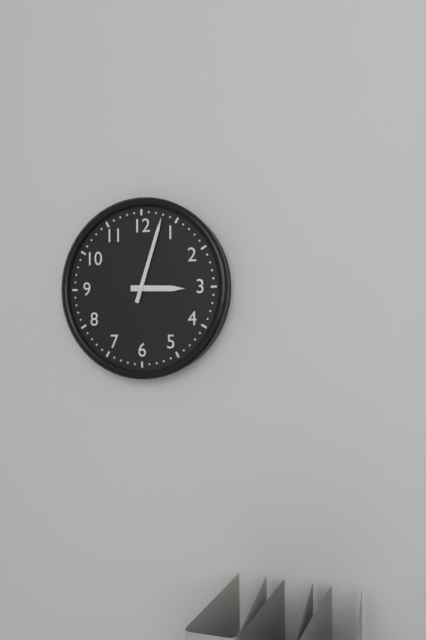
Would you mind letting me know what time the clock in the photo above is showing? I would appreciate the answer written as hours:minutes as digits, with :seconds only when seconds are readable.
3:03
